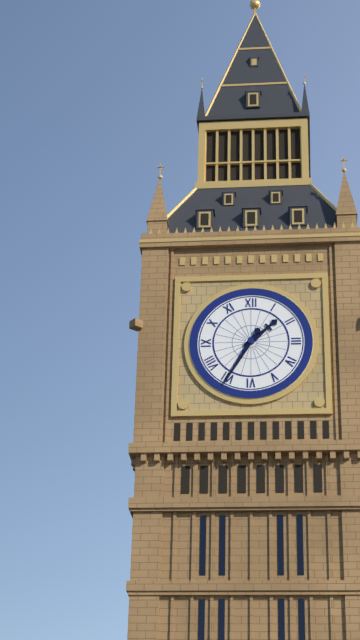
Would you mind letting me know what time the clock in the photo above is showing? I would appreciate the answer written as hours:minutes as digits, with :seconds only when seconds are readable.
1:35
